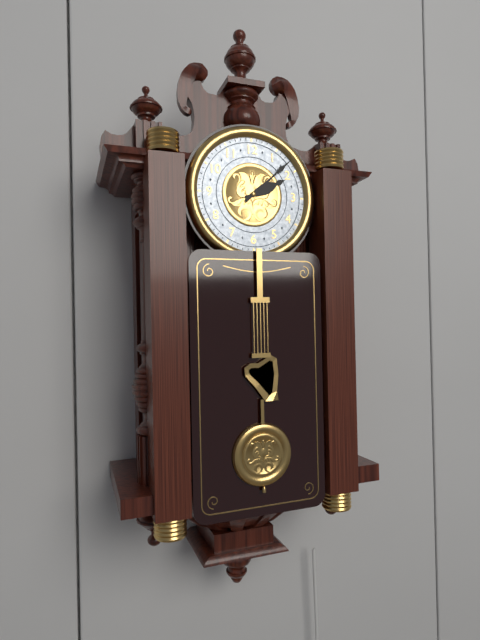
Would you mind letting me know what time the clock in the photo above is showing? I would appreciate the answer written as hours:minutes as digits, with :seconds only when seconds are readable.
2:08
